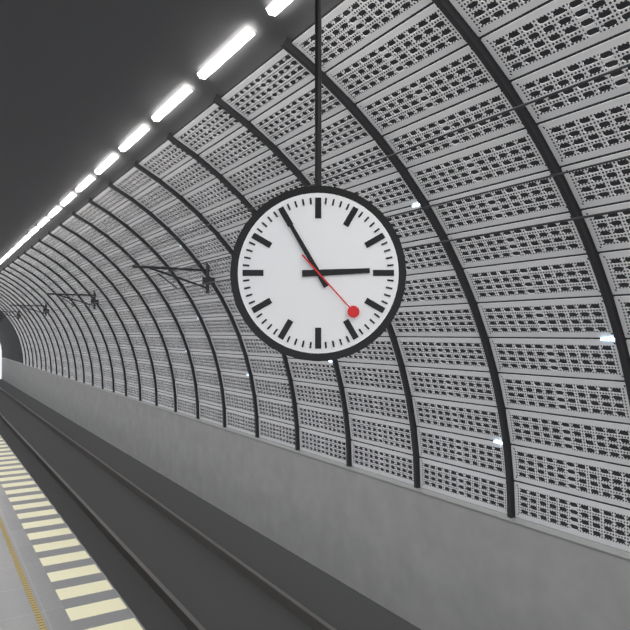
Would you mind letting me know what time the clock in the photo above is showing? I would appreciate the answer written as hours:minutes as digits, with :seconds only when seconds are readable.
2:55:23
